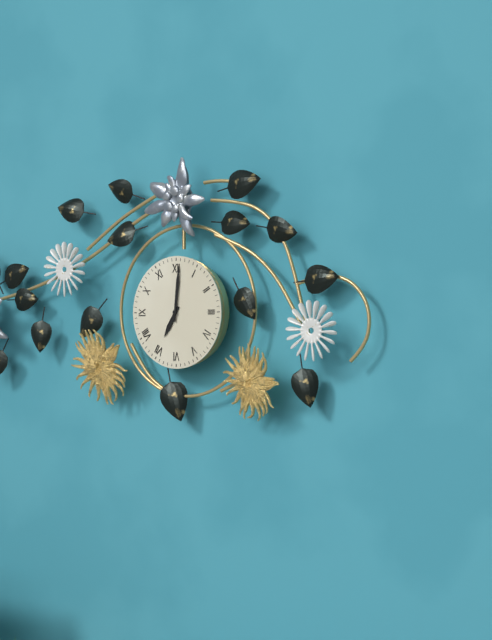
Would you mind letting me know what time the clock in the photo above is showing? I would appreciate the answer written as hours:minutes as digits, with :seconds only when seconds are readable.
7:01
